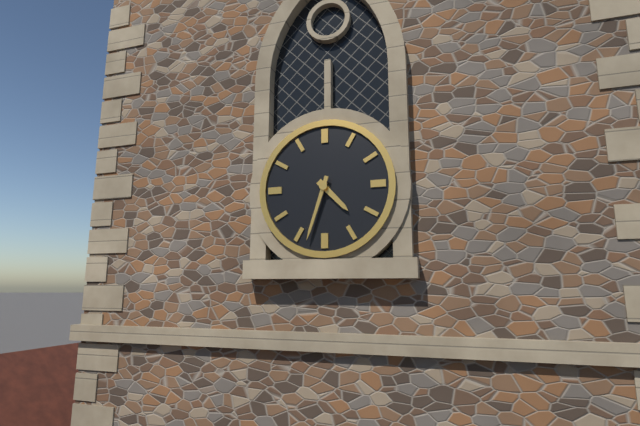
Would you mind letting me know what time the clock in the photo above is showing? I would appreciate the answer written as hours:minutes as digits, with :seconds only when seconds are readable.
4:33
